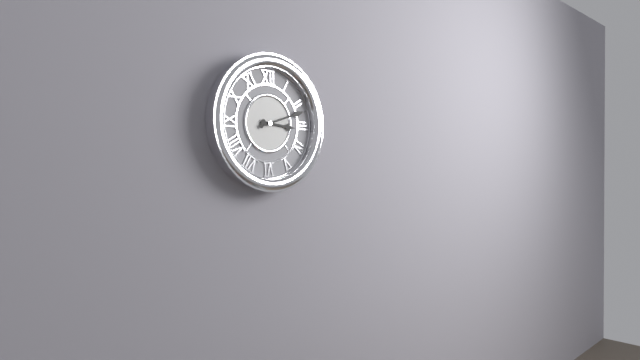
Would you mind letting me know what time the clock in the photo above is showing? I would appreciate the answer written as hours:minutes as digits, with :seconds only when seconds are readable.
3:12
